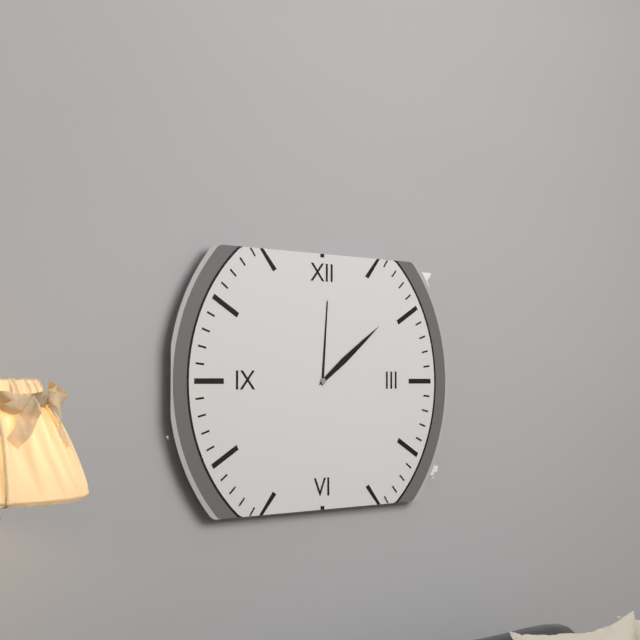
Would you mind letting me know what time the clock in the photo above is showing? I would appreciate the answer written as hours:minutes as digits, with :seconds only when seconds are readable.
12:09
